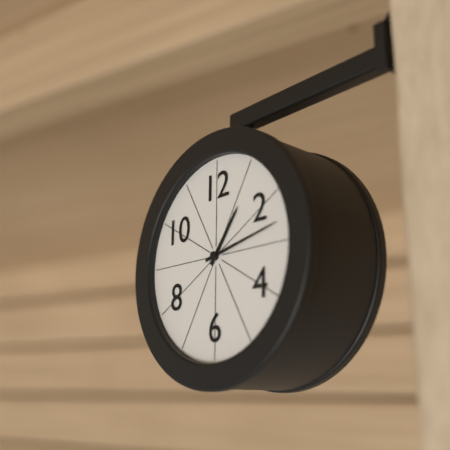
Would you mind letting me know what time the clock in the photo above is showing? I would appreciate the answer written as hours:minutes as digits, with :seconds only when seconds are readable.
1:13
